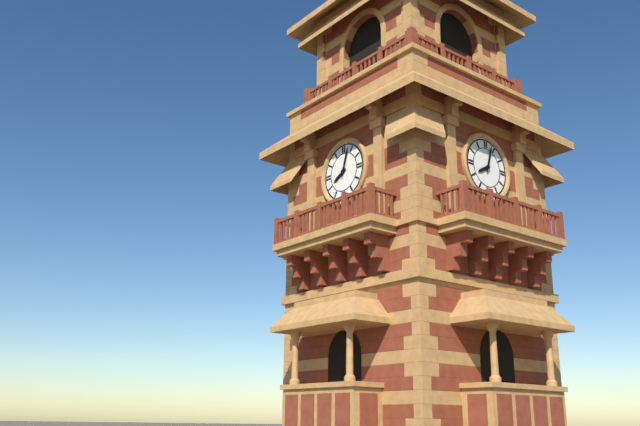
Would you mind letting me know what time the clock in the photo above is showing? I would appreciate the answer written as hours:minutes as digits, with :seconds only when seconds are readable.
8:03
